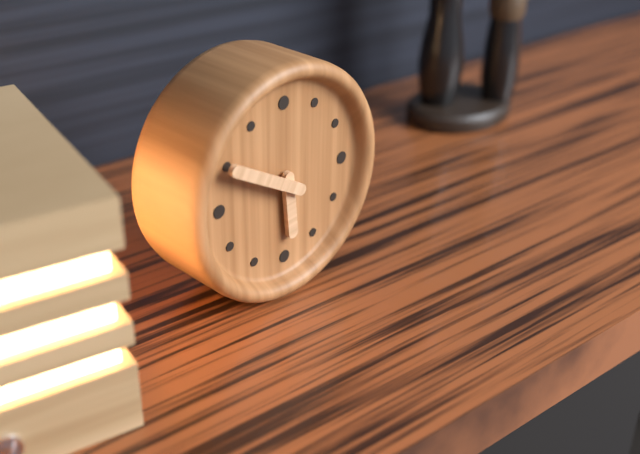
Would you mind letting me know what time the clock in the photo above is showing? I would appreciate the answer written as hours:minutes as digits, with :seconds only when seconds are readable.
5:50
